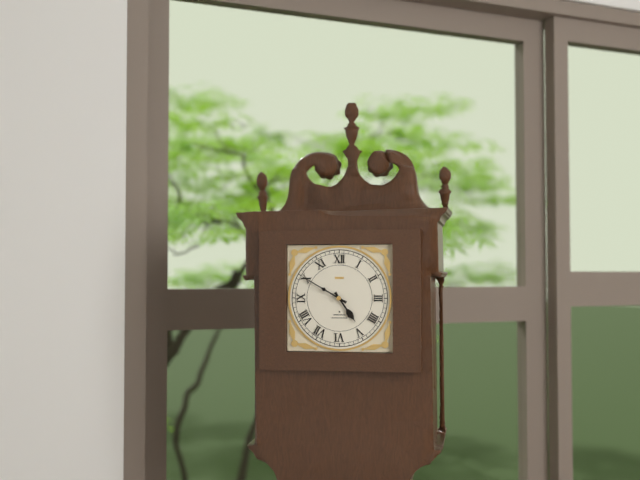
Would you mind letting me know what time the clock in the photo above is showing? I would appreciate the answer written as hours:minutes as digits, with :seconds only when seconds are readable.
4:50
